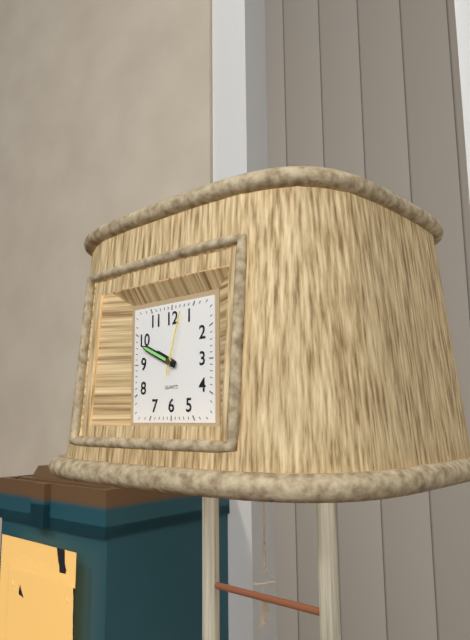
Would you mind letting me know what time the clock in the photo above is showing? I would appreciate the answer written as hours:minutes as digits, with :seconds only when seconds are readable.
9:49:03
